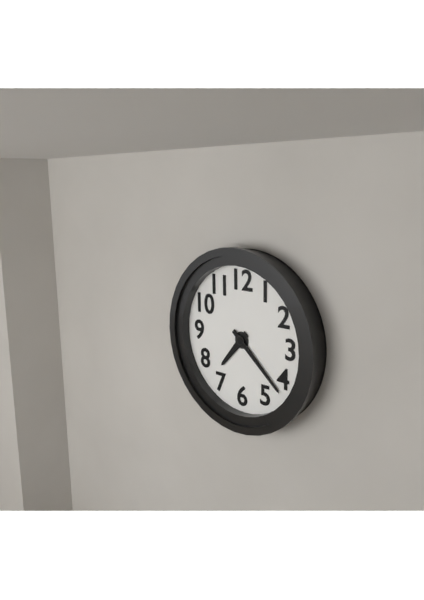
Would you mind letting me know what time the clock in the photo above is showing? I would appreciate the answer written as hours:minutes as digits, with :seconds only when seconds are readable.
7:22
